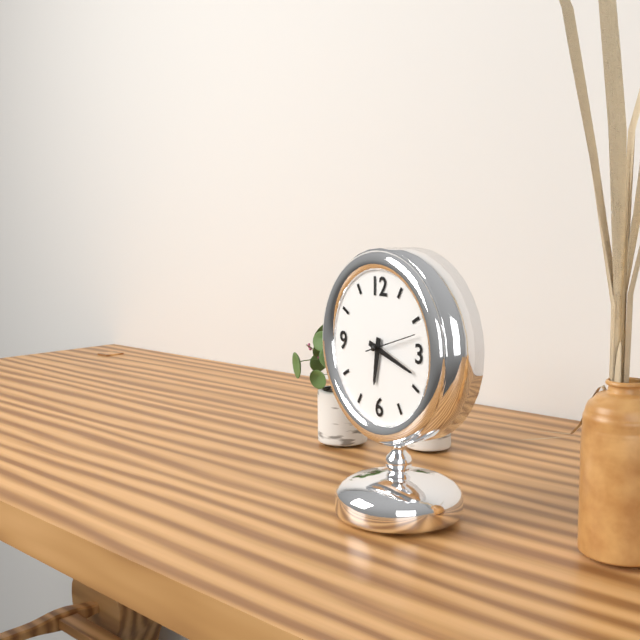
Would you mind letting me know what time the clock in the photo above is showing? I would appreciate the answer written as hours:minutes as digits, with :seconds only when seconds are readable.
6:18:12
